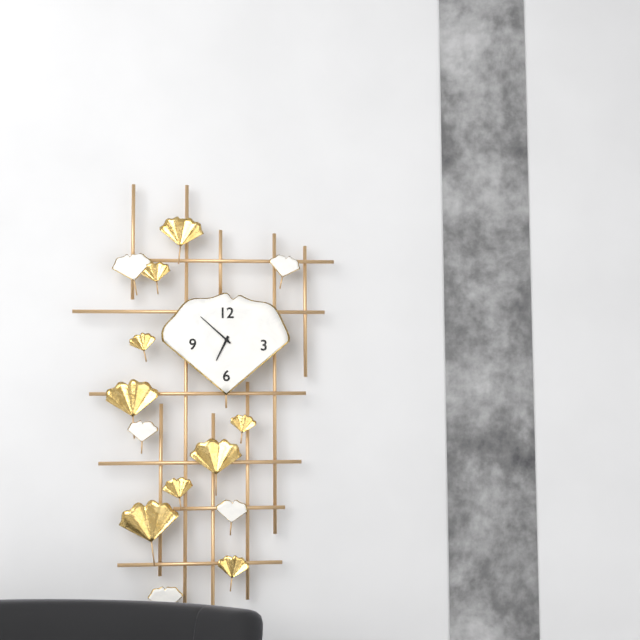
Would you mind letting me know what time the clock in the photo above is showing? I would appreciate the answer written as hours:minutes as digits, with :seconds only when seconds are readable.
6:52
